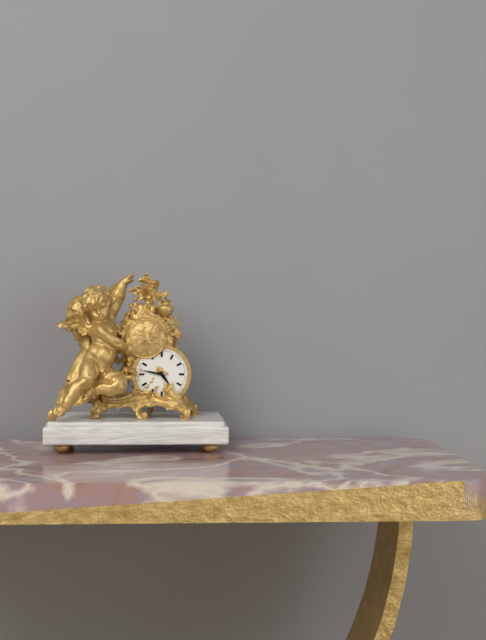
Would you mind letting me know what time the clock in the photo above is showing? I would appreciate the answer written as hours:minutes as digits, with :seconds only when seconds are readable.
4:47
